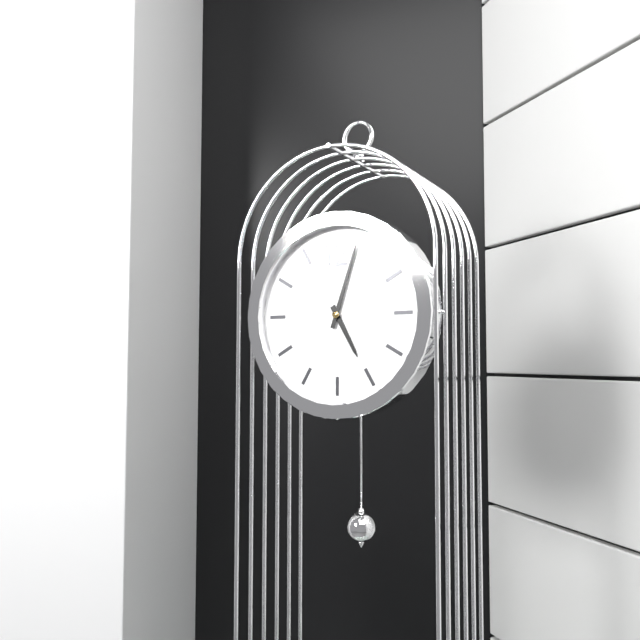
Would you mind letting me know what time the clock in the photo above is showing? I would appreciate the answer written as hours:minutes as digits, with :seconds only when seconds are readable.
5:03
